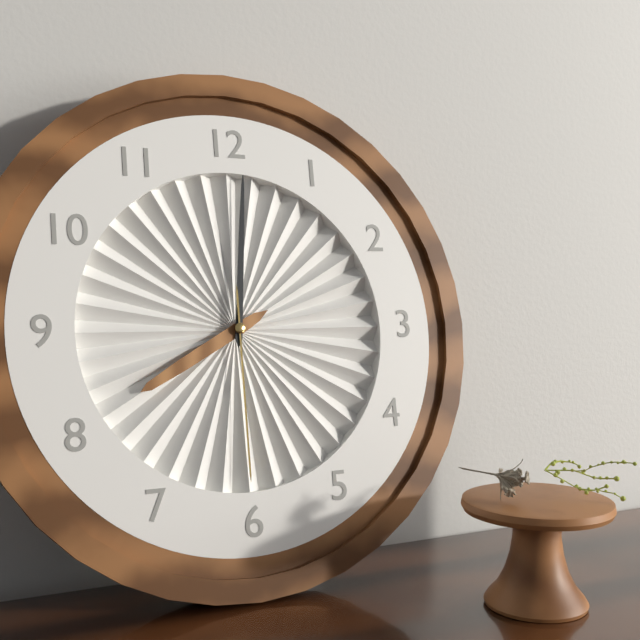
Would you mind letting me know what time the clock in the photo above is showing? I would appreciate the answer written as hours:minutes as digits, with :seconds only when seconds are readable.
8:01:30
